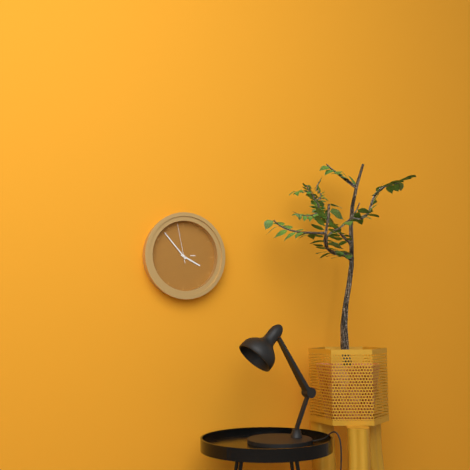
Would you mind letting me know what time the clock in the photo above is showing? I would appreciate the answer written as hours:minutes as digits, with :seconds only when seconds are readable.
3:53
